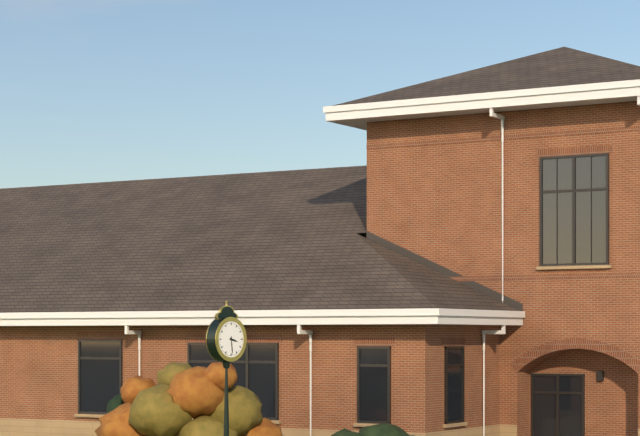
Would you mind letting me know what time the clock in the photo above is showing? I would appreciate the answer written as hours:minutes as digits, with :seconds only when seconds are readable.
3:29
